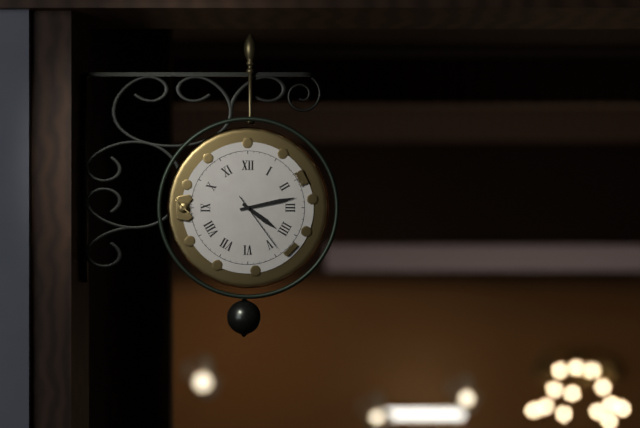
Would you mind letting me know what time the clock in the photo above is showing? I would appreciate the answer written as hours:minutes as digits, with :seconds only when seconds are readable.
4:13:24
